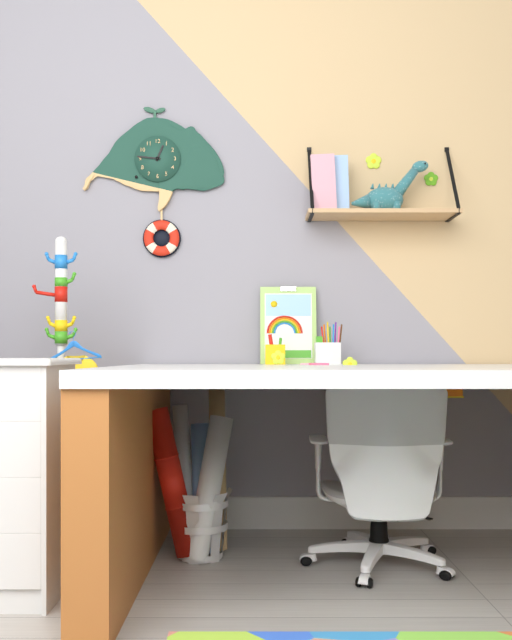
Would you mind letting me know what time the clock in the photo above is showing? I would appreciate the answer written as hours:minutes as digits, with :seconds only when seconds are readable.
12:46
